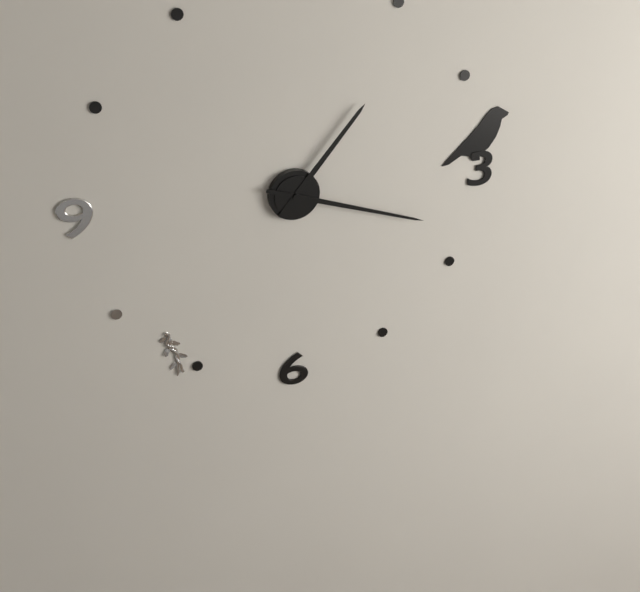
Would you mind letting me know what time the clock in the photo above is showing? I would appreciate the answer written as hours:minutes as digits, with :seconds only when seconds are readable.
1:18
